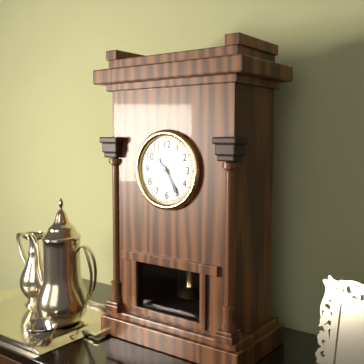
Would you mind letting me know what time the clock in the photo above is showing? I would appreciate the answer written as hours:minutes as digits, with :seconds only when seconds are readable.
10:25
